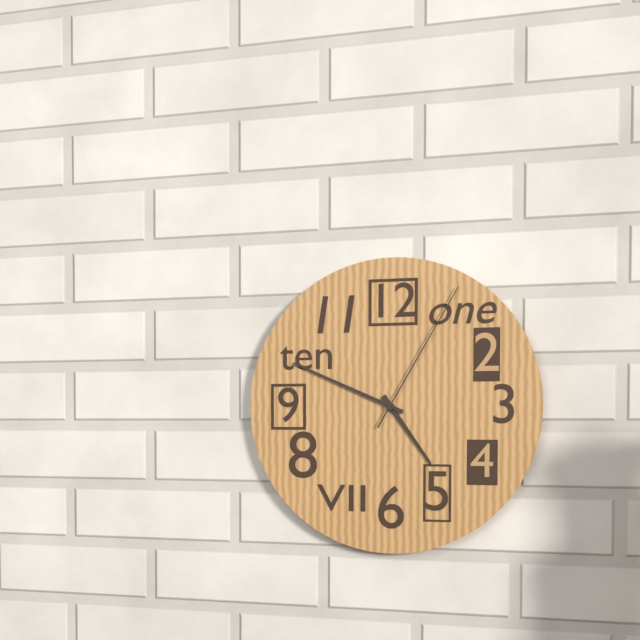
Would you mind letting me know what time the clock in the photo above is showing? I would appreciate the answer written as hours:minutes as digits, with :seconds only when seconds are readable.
4:49:05
